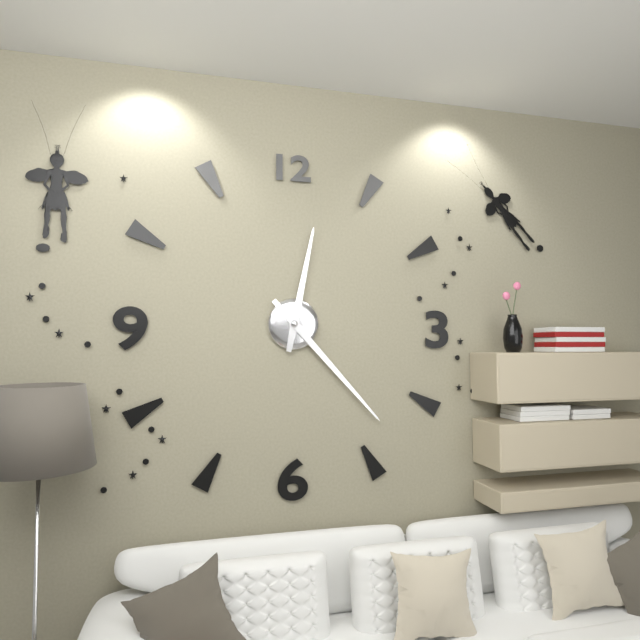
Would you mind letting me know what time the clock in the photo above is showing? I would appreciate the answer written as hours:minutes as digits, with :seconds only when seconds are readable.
12:23
